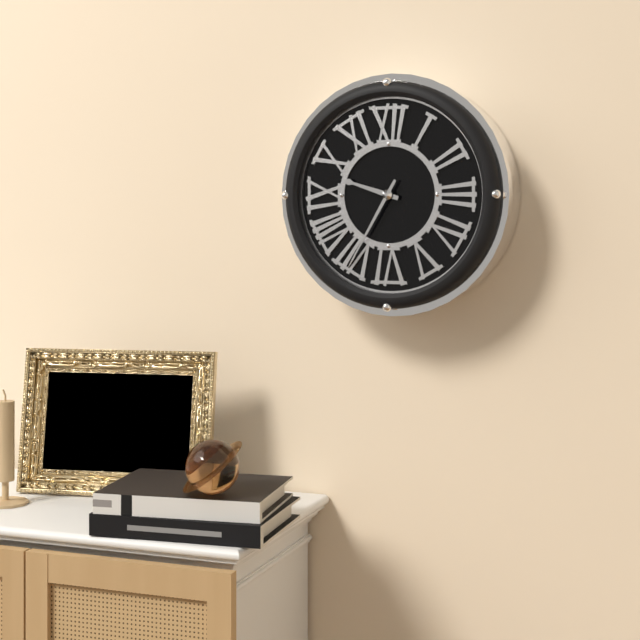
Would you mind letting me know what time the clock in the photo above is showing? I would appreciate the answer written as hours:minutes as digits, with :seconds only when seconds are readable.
9:35
